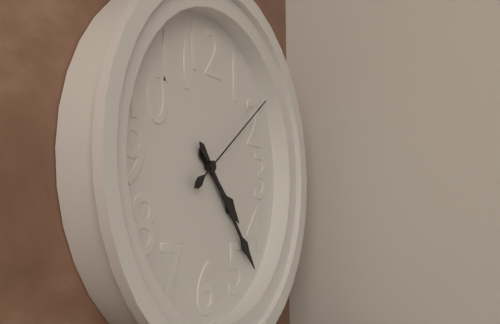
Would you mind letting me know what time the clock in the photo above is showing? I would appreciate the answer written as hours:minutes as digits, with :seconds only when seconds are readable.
4:23:09
